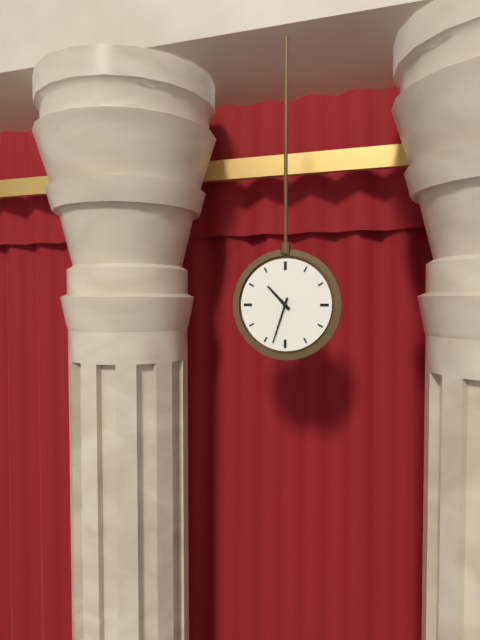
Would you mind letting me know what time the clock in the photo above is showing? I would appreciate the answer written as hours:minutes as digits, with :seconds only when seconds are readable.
10:33
